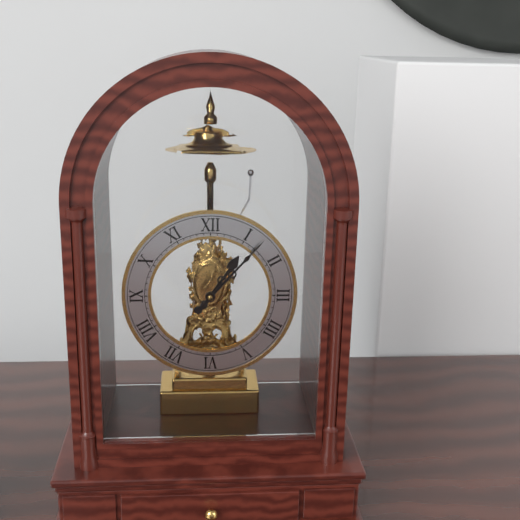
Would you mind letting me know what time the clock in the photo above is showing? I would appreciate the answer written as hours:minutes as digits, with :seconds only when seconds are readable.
1:07
